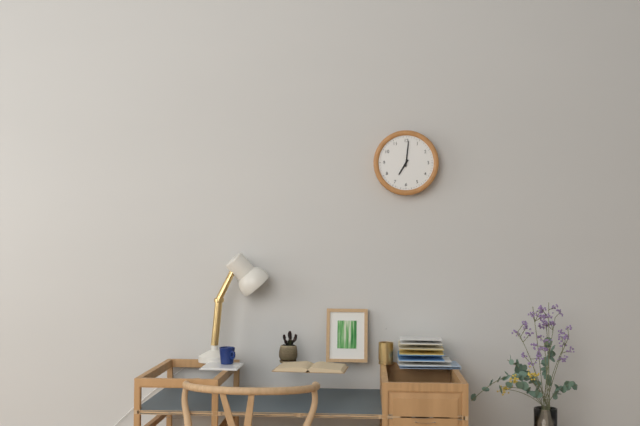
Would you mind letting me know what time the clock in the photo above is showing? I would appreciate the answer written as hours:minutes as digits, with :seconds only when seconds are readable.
7:01
